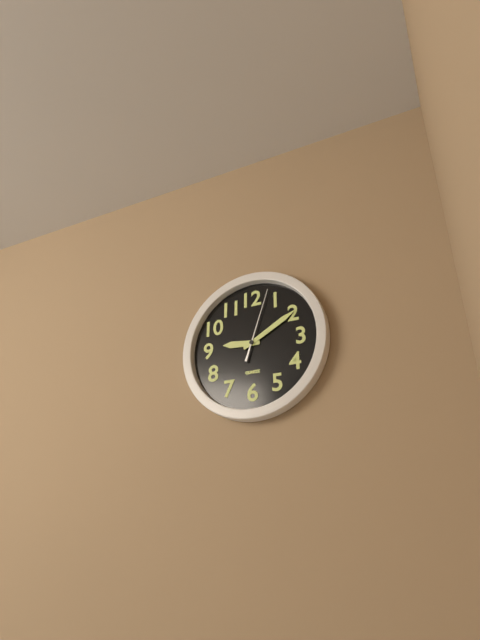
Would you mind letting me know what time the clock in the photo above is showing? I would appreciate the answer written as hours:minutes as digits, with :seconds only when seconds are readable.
9:10:03
